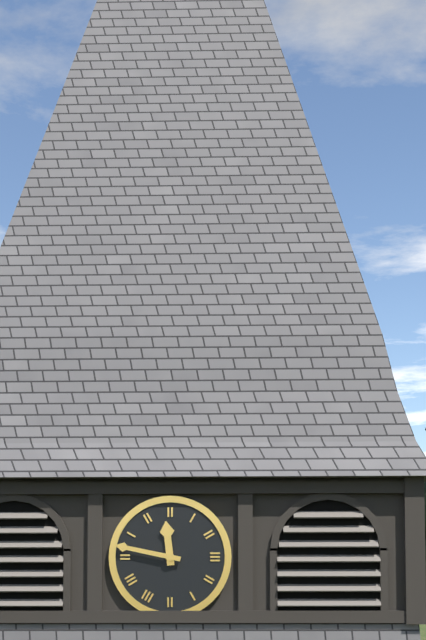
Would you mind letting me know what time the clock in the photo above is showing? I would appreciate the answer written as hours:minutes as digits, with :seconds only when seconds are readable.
11:47
